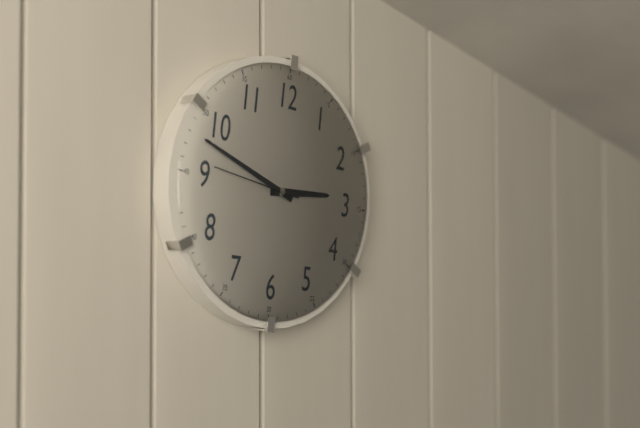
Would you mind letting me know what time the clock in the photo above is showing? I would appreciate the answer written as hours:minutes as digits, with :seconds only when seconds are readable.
2:48:46
